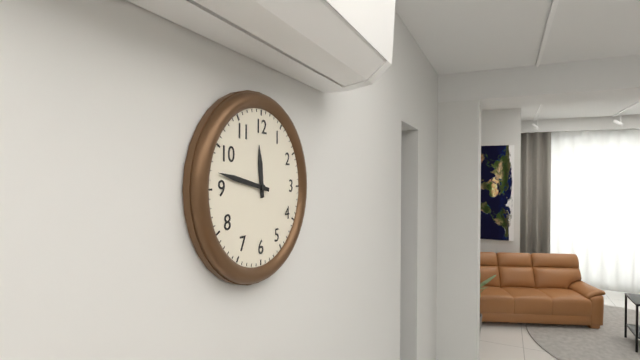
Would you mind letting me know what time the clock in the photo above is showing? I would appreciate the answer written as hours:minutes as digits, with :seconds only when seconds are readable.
11:47
